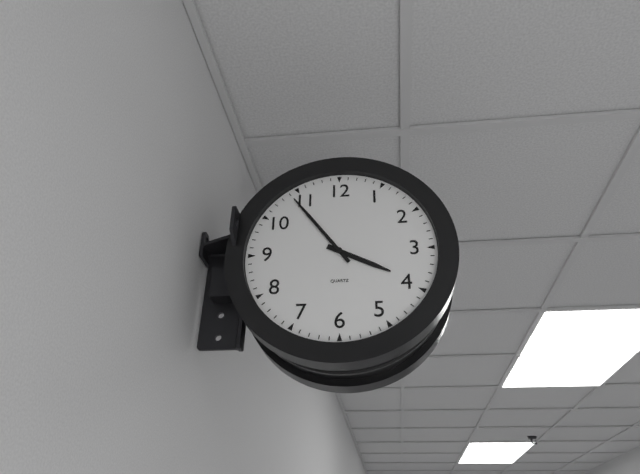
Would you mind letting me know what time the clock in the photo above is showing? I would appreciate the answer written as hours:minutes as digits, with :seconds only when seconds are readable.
3:54
